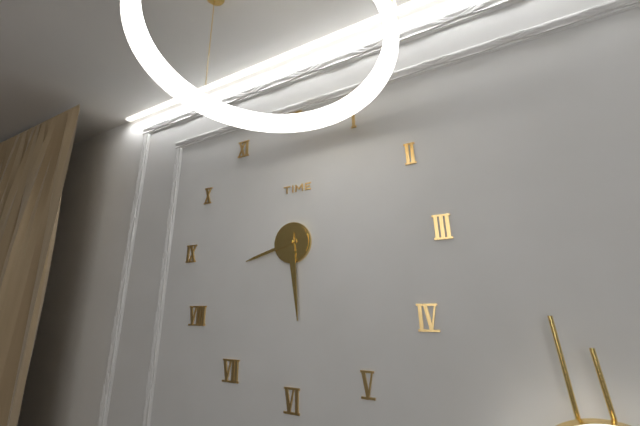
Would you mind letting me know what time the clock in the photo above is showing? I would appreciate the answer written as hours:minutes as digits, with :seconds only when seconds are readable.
8:29
